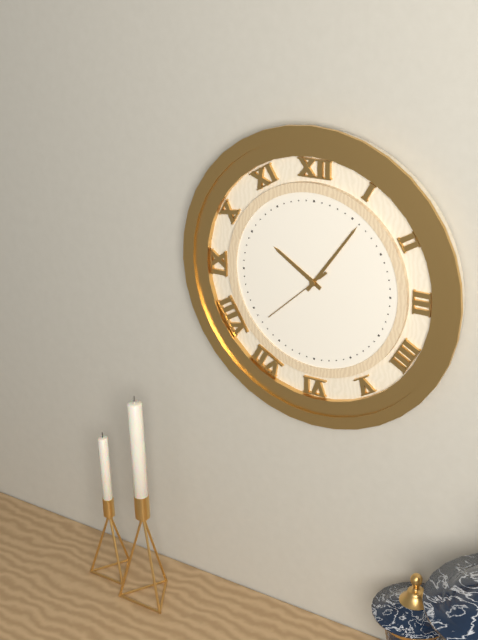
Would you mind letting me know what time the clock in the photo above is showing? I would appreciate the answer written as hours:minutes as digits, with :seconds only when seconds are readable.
10:06:38
